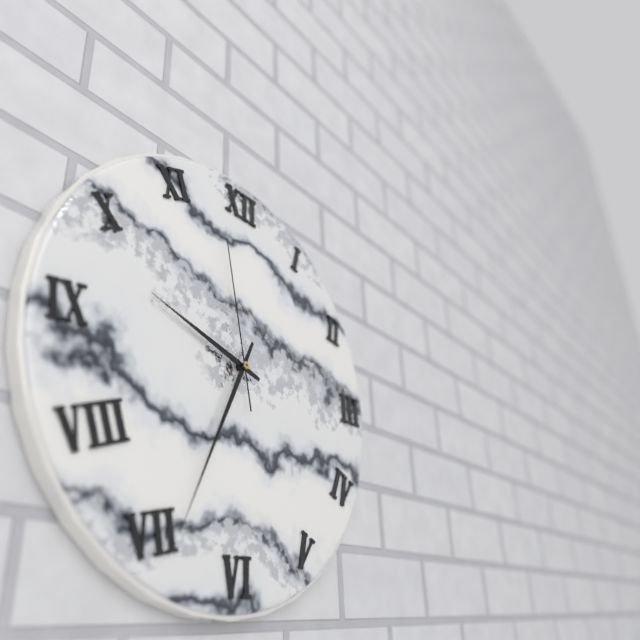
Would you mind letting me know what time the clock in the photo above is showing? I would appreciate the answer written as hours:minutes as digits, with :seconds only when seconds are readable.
9:34:58
